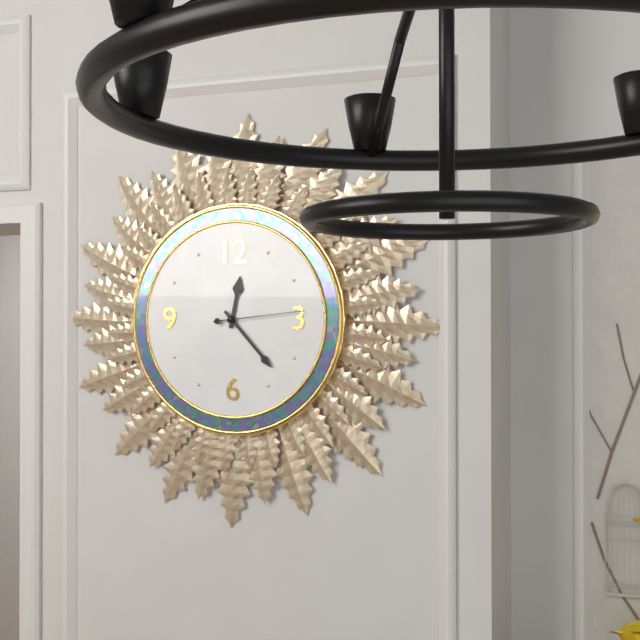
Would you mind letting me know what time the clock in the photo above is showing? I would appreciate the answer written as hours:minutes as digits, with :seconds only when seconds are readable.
12:23:14
